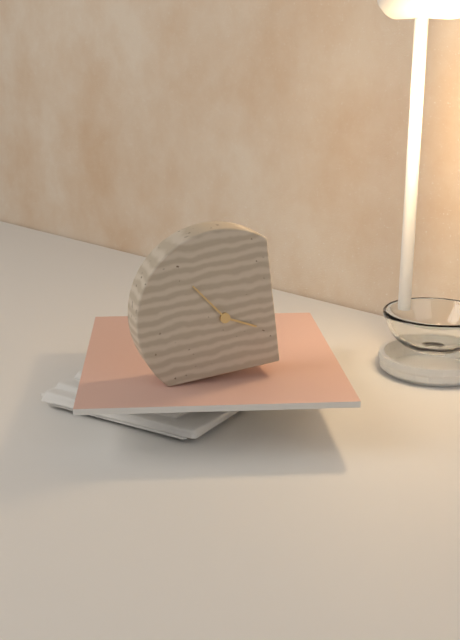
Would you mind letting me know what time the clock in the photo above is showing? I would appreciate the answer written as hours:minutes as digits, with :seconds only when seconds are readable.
3:54
